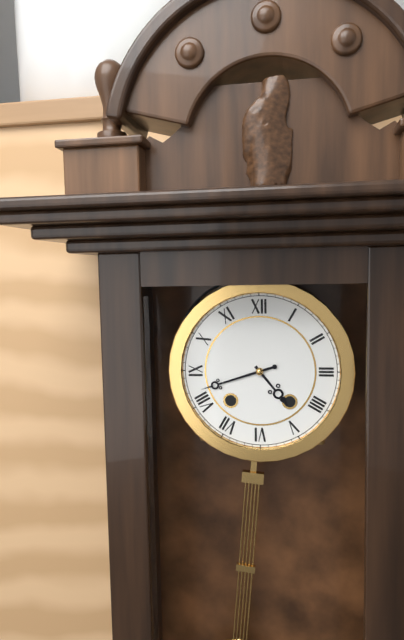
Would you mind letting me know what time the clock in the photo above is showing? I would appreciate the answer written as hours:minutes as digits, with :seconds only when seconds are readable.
4:42
